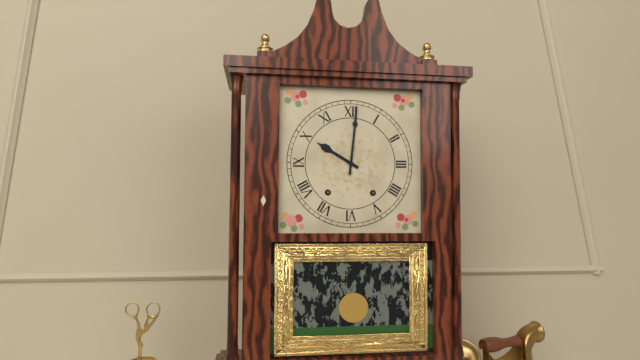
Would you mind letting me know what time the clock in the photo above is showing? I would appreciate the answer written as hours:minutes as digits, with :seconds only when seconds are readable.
10:01
